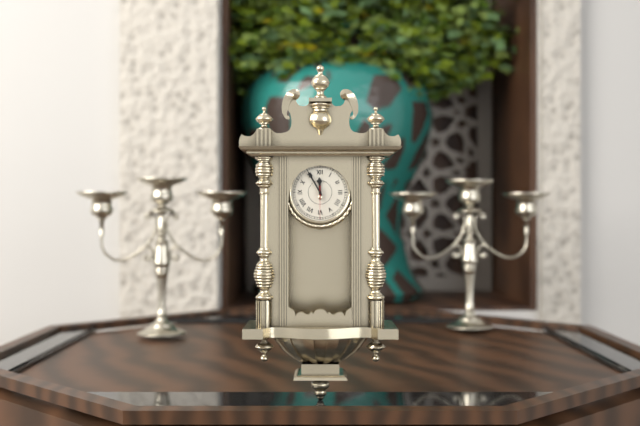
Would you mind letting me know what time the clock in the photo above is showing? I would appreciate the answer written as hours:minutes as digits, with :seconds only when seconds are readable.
11:55
